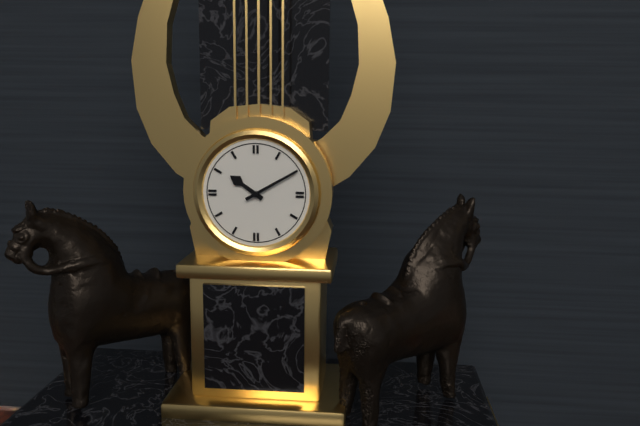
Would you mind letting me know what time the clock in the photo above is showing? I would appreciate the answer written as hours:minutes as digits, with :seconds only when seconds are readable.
10:10
